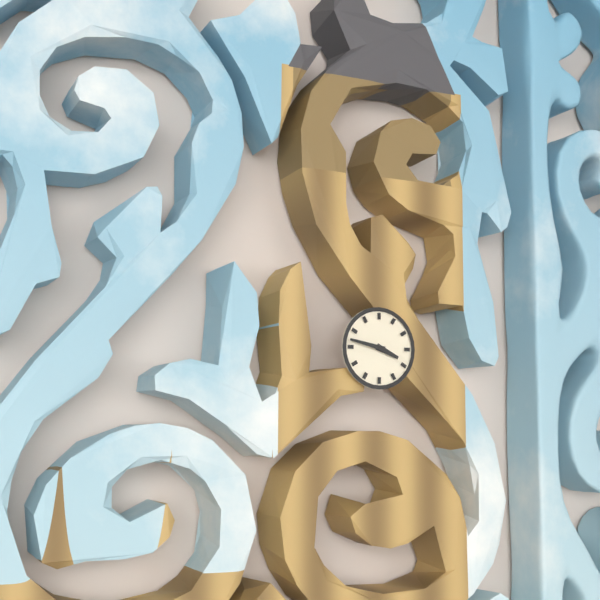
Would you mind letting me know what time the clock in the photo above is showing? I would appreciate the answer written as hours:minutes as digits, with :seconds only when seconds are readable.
3:47
